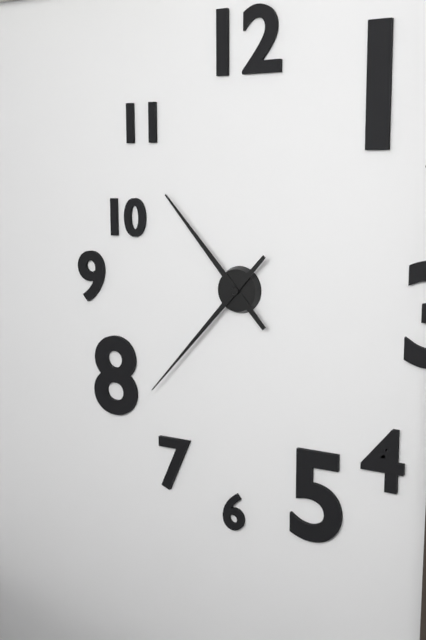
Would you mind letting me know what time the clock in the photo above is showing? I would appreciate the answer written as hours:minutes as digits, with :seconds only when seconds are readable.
10:37
